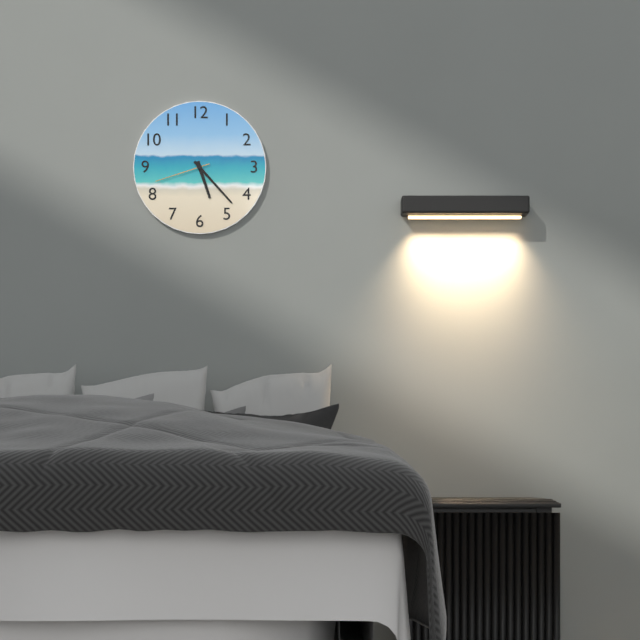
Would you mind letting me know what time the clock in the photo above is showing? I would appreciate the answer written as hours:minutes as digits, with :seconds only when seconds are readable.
5:23:42
